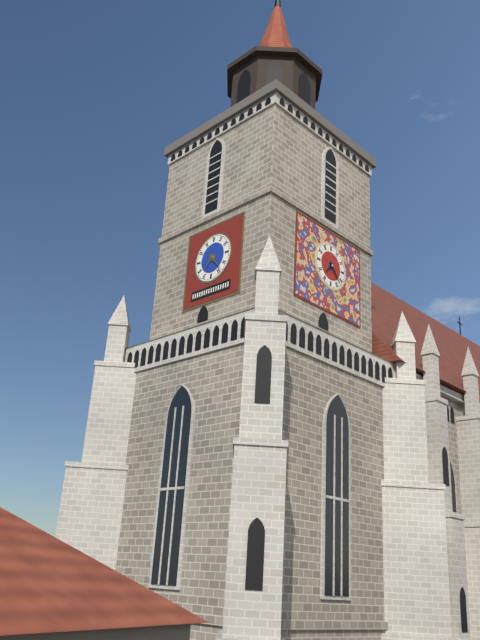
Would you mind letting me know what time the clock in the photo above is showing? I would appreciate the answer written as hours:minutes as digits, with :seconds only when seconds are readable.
7:23
